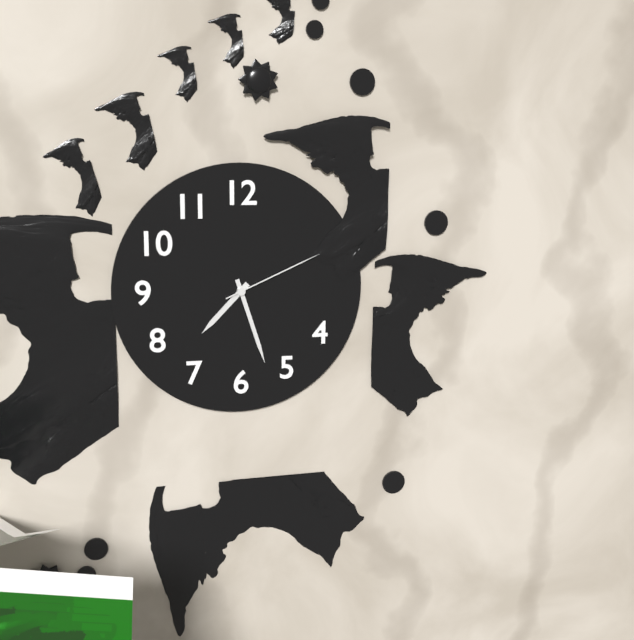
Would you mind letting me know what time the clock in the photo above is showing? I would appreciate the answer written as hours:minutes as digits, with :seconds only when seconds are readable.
7:27:11
